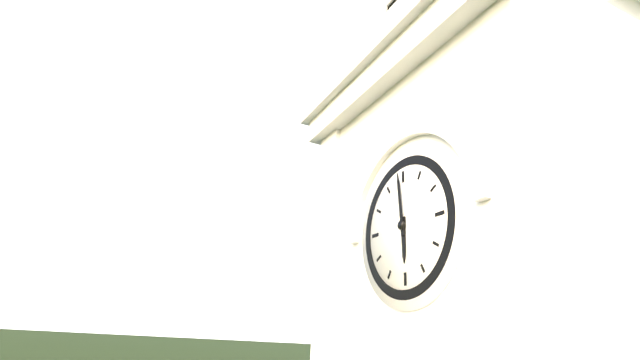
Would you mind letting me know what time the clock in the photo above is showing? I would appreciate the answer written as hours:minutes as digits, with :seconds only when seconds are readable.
5:59
